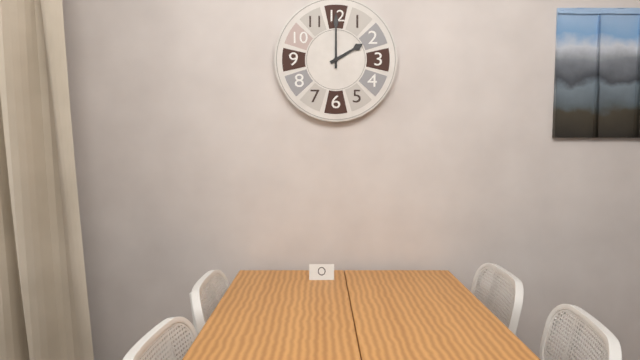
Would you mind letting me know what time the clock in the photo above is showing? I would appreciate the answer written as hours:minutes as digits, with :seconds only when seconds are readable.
2:00
